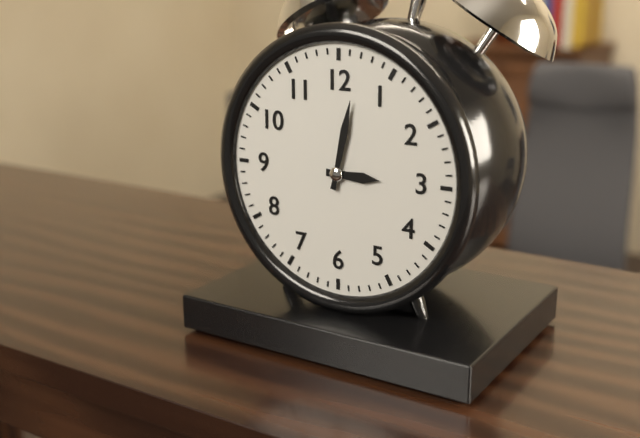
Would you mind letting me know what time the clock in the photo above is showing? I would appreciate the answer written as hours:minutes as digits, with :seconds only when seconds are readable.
3:02
